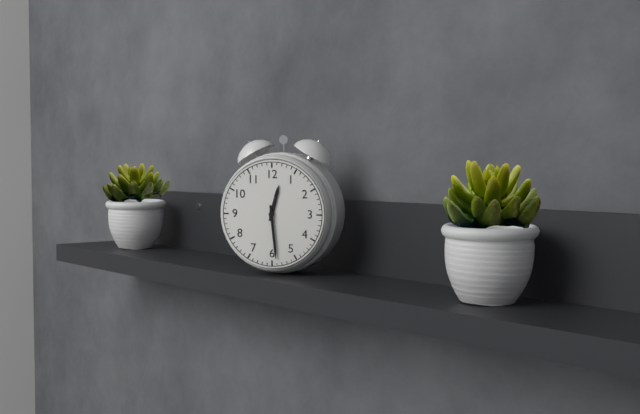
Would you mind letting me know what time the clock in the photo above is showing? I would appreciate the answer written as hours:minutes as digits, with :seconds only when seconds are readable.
12:29
